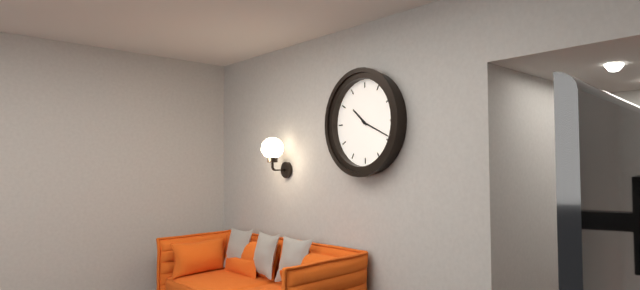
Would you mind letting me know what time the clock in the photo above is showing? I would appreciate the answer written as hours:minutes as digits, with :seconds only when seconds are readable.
10:19
